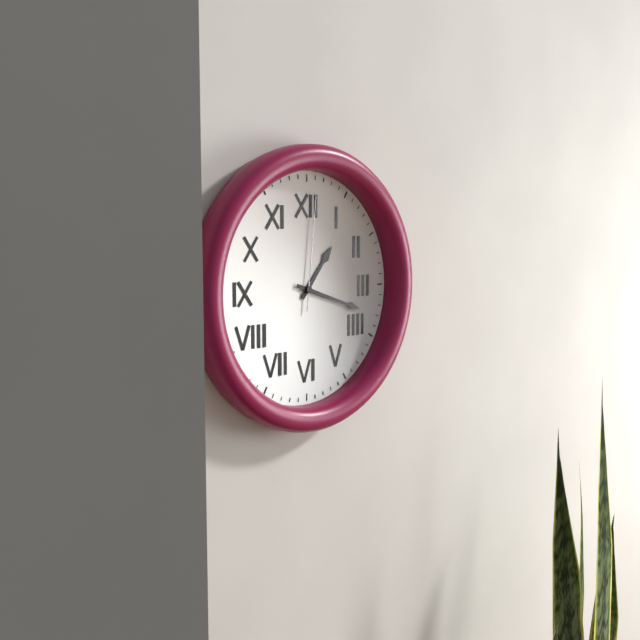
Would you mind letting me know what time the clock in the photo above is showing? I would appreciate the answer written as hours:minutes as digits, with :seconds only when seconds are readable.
1:18:01
